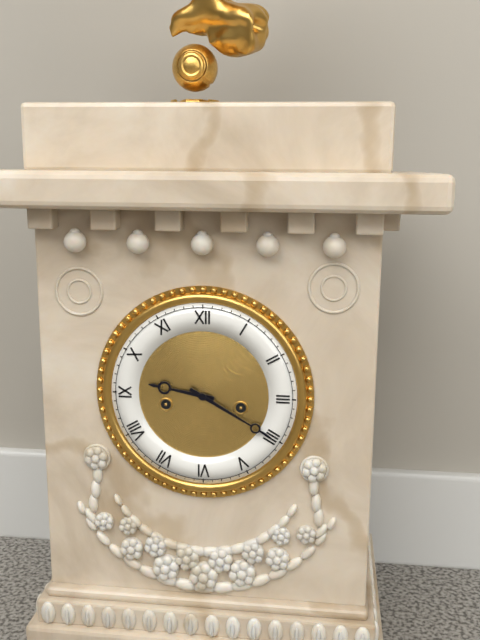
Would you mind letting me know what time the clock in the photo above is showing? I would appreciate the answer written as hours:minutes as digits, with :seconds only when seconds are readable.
9:20
